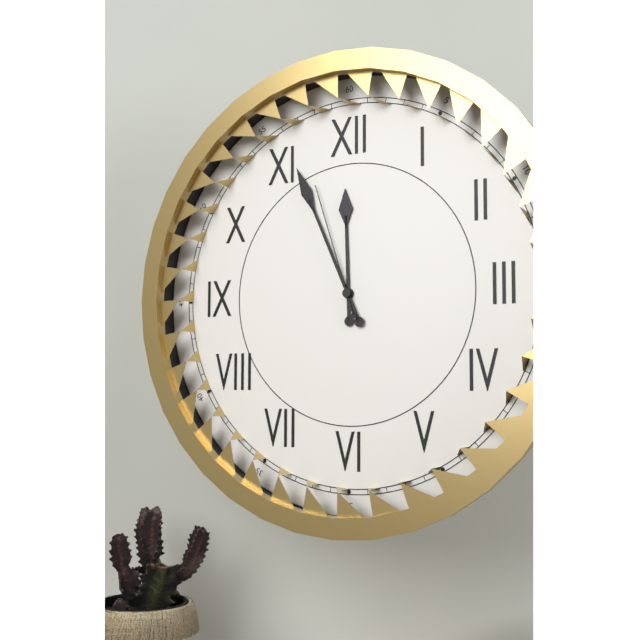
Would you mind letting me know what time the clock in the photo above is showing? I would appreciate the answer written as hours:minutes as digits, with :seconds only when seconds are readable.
11:56:57
